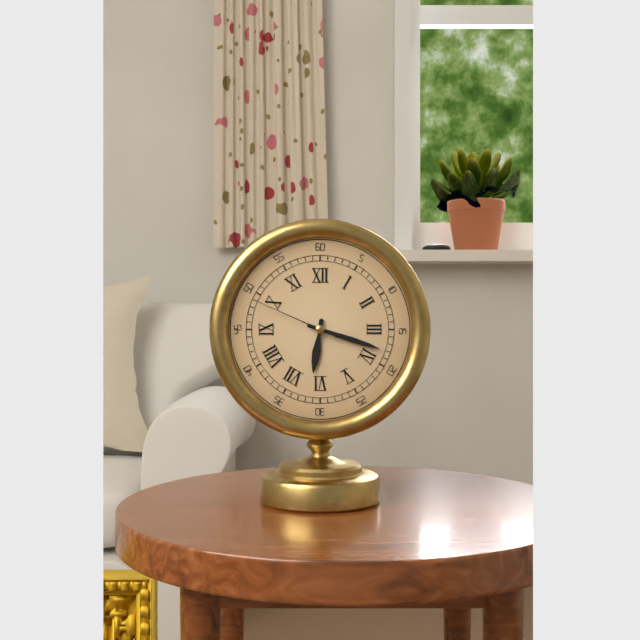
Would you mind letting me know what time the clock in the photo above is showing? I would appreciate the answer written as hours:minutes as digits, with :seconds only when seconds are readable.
6:18:49
